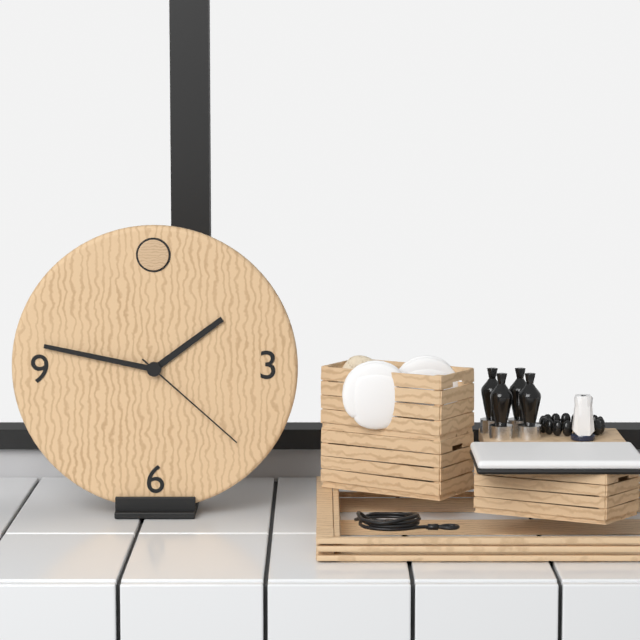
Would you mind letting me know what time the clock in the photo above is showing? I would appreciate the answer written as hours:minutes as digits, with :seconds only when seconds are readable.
1:47:22
